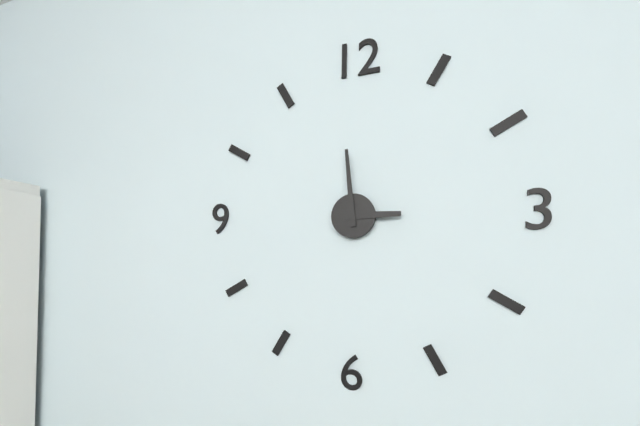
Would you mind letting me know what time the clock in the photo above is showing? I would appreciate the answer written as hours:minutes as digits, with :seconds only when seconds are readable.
2:59
